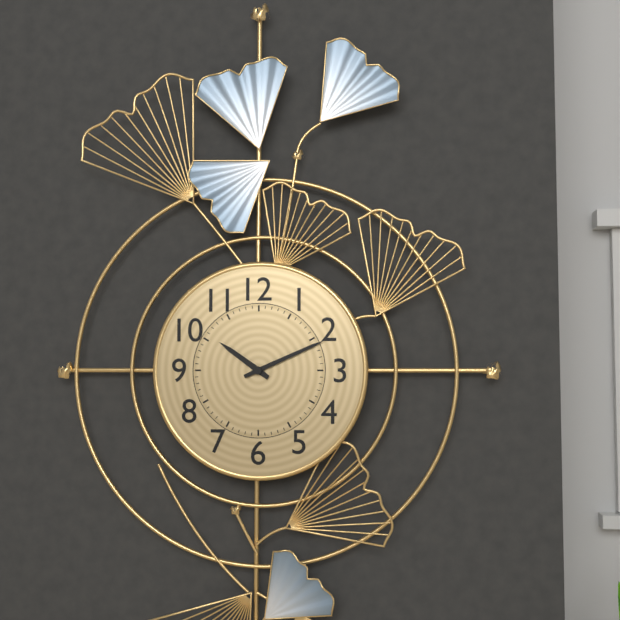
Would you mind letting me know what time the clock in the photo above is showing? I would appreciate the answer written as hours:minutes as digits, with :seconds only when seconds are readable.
10:11
